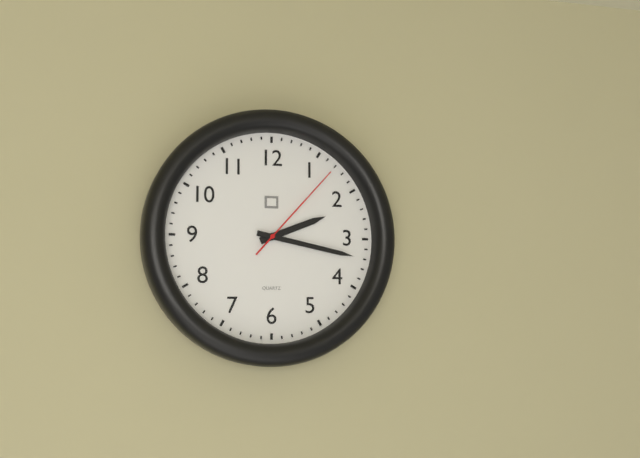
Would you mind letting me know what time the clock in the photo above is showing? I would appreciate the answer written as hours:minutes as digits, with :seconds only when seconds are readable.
2:17:07
